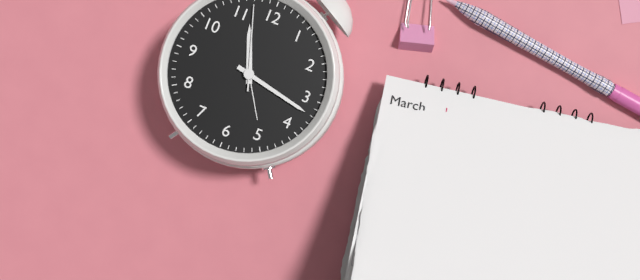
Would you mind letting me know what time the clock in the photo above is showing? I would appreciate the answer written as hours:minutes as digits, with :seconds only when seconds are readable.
11:17:57
